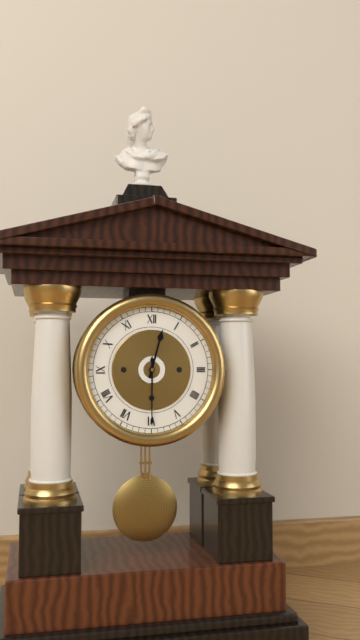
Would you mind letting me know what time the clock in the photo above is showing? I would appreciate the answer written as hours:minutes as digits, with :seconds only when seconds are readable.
12:30
